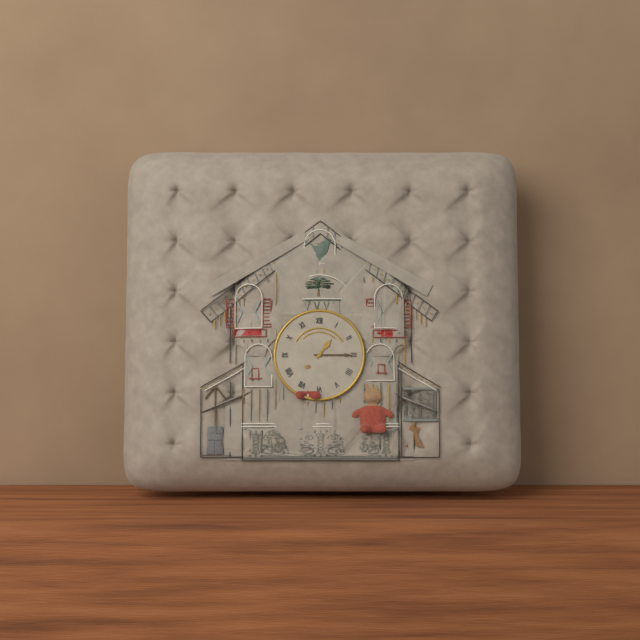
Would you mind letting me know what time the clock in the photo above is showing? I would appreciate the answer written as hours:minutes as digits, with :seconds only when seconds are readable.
1:15
